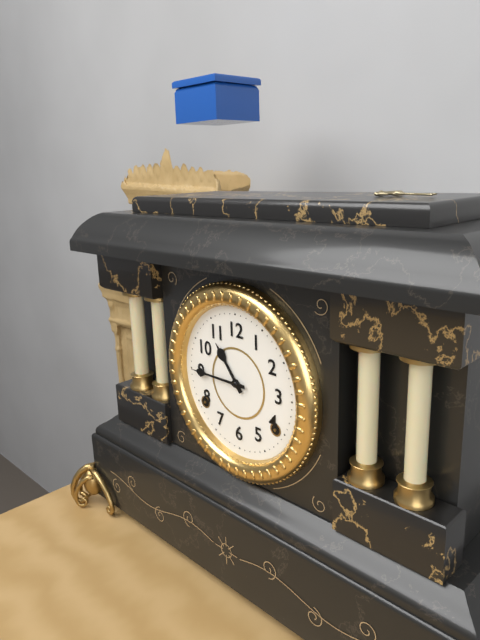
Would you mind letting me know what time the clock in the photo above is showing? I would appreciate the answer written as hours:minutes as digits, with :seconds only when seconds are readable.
10:45
